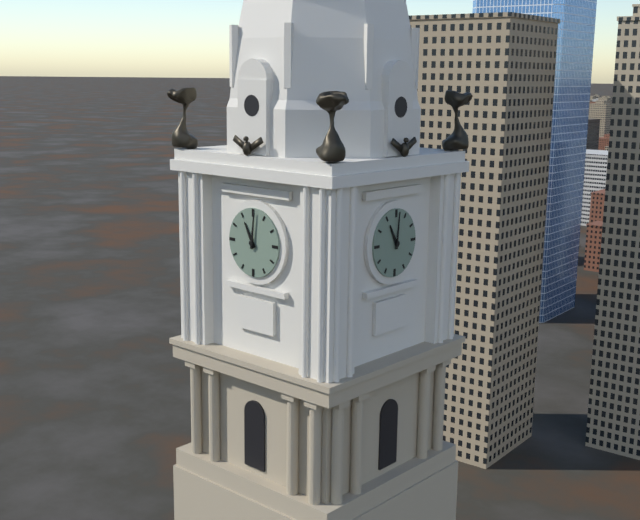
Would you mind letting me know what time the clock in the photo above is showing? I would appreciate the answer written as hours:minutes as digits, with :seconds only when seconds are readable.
11:01
